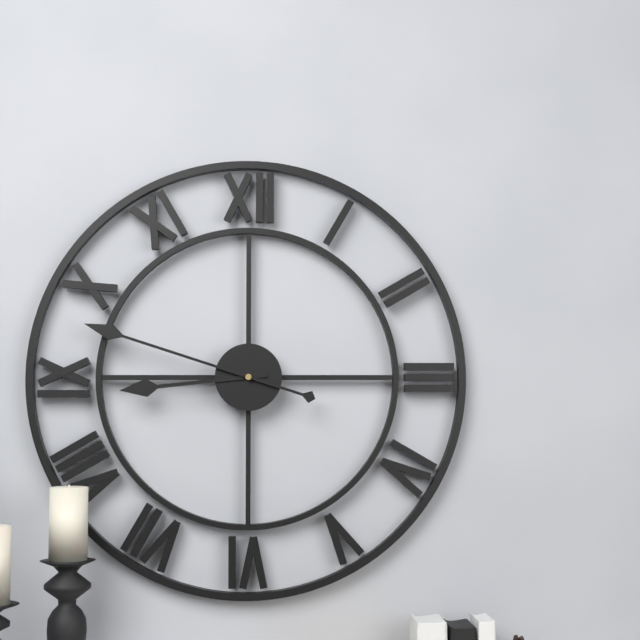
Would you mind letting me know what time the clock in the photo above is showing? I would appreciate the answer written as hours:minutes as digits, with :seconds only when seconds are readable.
8:48
